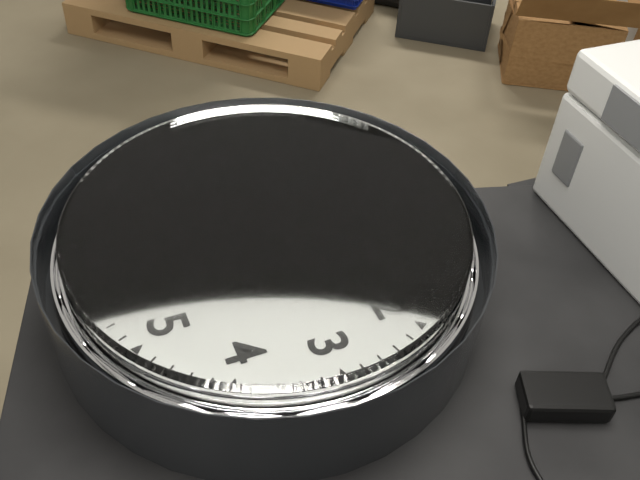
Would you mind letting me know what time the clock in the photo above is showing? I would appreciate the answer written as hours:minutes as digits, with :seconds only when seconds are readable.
9:40
